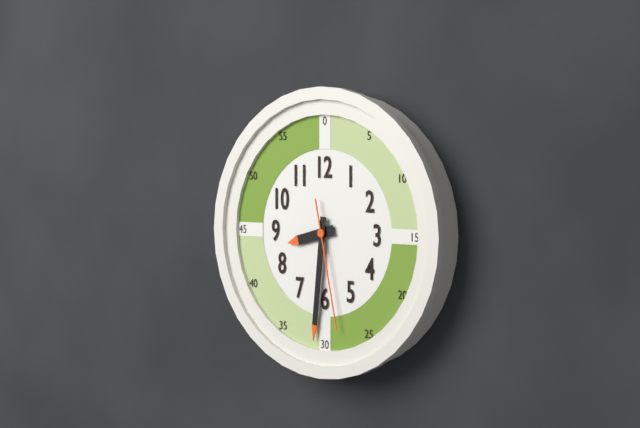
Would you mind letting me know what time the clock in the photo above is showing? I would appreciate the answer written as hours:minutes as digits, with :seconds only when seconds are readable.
8:31:28
